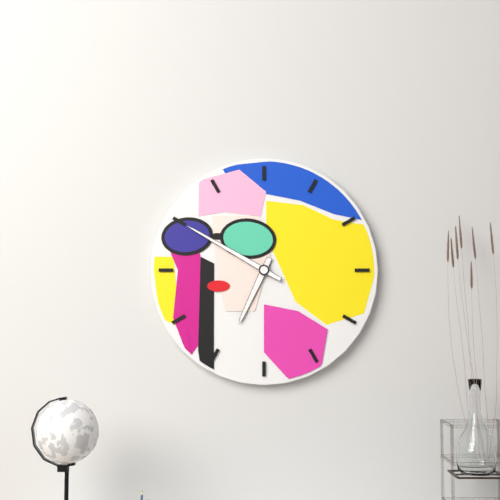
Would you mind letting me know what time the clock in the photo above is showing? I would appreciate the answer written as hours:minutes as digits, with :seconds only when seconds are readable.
6:50
